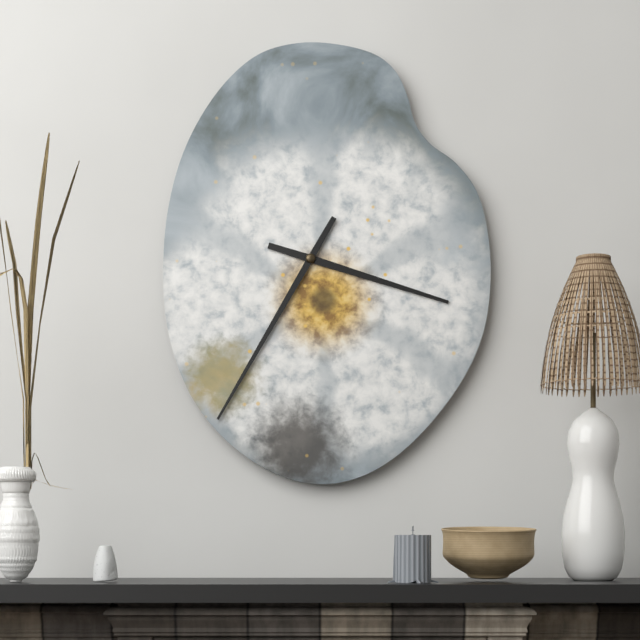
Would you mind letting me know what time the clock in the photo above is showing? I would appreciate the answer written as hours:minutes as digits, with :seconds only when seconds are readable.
3:35
